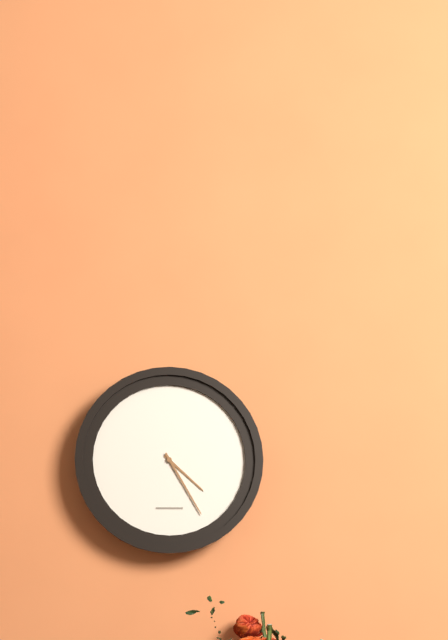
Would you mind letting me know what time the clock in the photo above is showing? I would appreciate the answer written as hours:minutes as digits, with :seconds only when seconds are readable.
4:25
